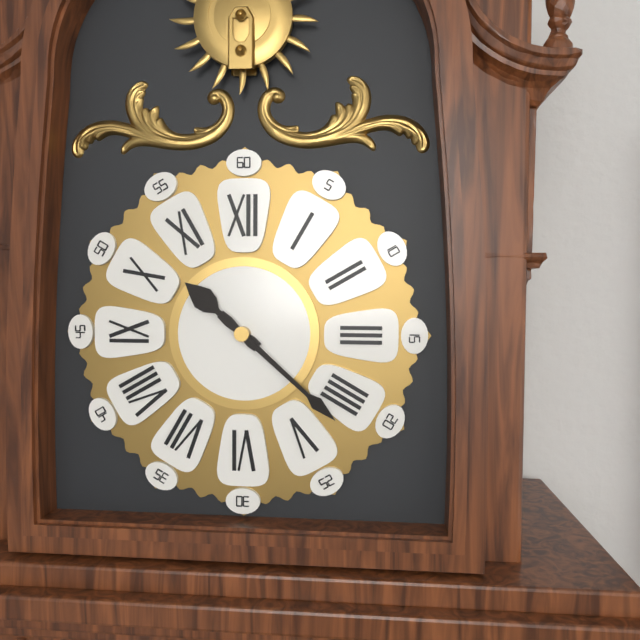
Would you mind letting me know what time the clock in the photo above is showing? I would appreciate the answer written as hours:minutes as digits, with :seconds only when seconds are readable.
10:22
